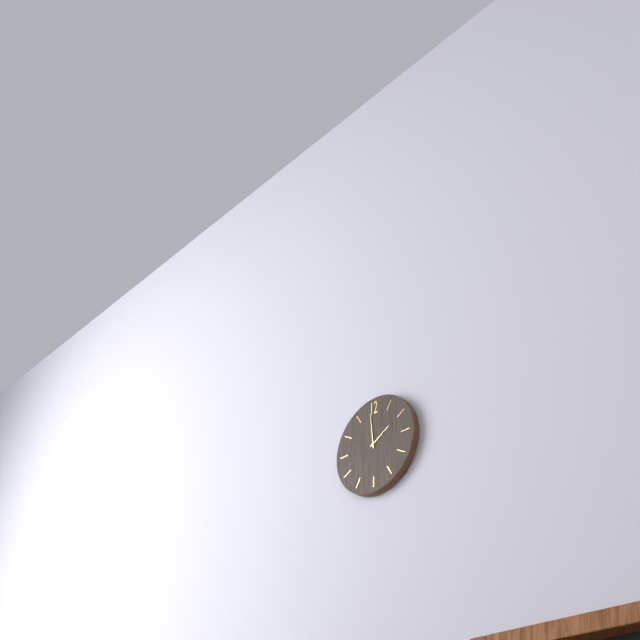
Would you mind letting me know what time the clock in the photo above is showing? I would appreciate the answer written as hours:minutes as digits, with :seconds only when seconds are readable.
1:59
